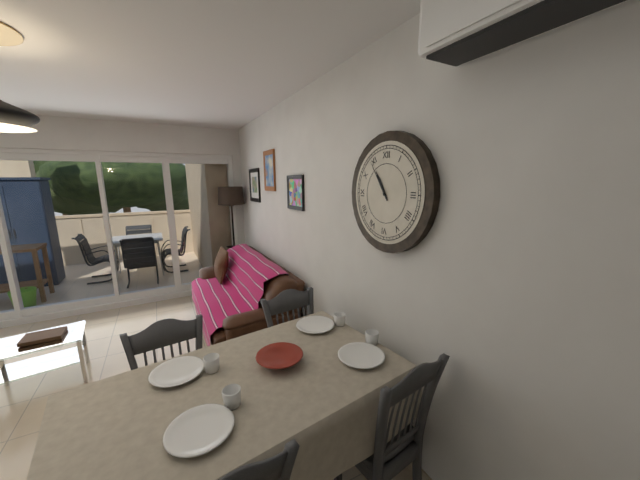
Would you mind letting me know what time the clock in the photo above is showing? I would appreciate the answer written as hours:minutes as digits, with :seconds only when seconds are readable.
10:54
